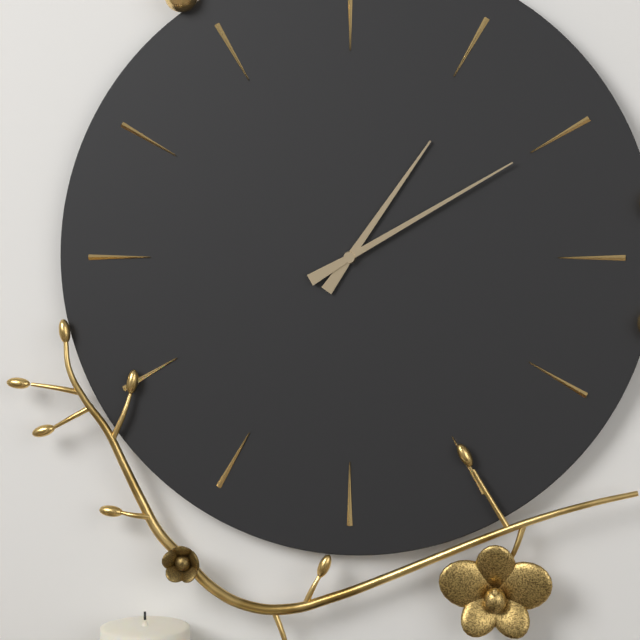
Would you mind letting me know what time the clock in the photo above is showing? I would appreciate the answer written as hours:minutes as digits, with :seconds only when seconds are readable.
1:10
